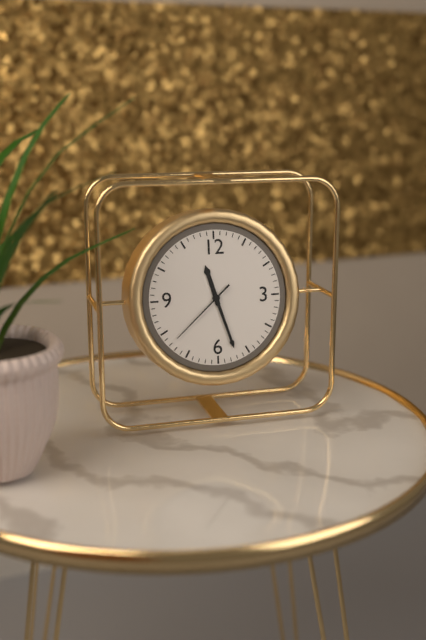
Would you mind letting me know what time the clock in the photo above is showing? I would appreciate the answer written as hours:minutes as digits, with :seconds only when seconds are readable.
11:27:38
